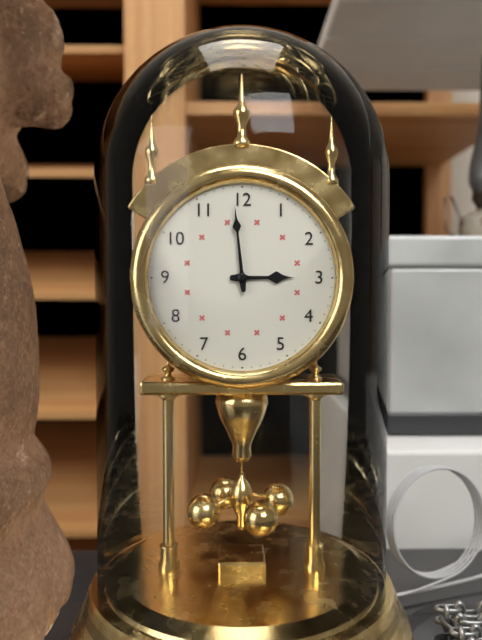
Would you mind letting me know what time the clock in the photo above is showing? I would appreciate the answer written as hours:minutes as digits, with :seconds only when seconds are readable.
2:59
